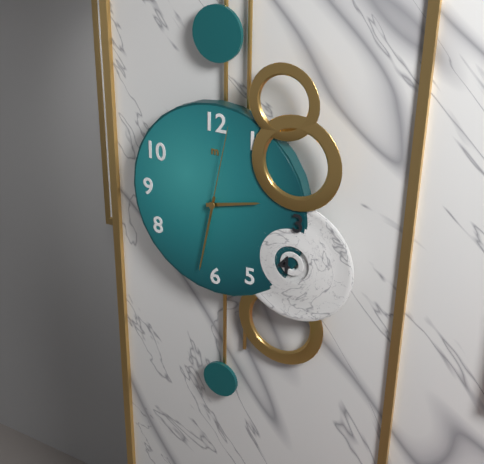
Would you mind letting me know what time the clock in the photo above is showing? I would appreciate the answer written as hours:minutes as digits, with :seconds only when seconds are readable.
2:32:02
